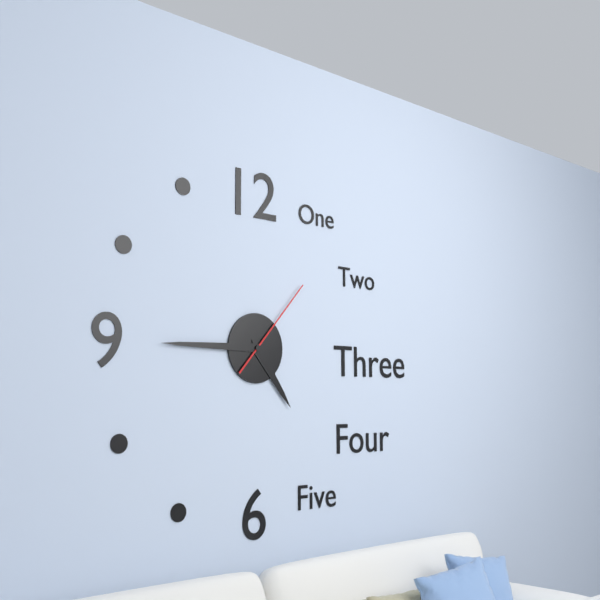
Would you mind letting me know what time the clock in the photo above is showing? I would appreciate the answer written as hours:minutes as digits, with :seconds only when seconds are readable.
4:45:07
